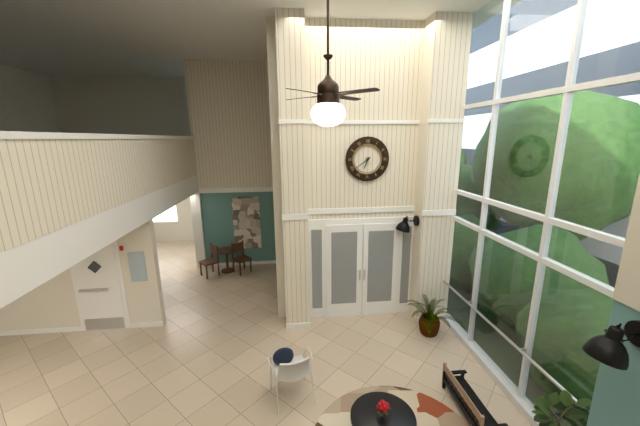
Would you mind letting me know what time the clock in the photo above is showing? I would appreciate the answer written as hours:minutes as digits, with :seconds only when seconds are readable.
6:39
